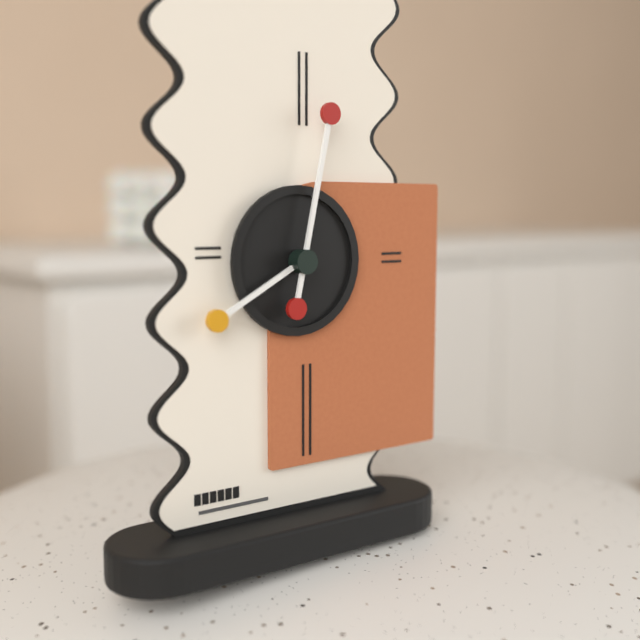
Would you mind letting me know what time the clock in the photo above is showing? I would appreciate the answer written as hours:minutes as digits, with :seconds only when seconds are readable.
8:02
